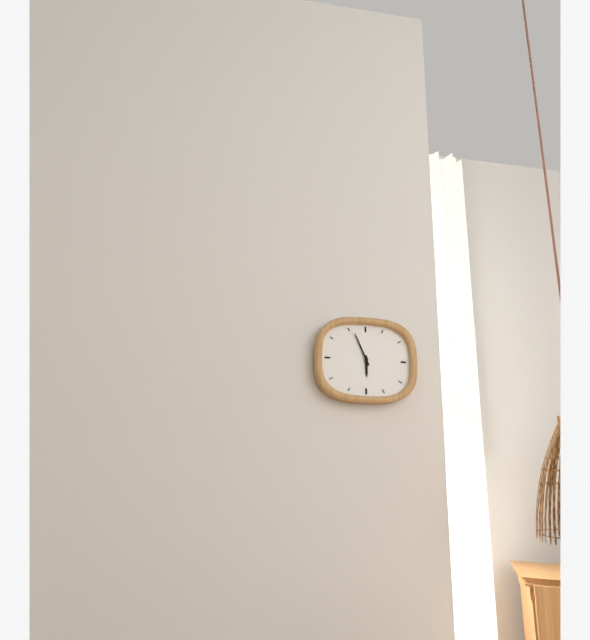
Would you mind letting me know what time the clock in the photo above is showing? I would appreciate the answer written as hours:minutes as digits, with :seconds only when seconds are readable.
5:56
